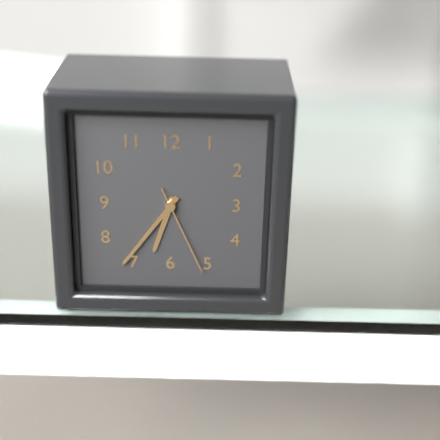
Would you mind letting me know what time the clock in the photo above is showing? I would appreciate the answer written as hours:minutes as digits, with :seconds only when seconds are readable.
6:36:26
